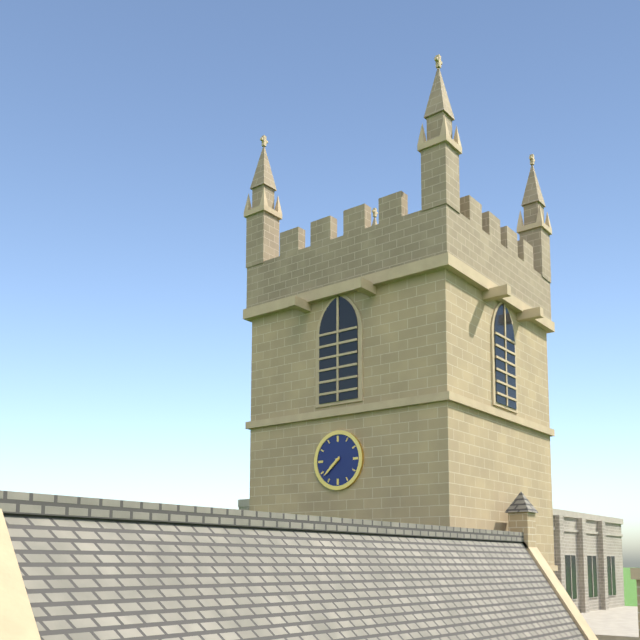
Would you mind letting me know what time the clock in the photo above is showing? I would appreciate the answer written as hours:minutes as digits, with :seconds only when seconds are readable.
7:38
